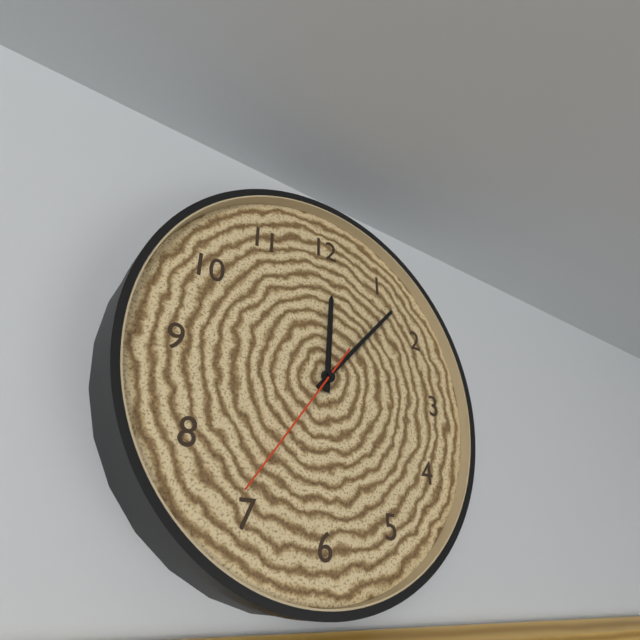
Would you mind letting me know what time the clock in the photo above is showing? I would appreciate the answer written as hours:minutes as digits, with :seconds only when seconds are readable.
12:07:36
